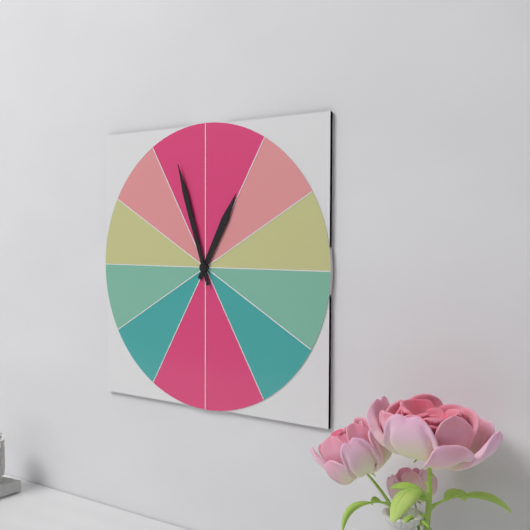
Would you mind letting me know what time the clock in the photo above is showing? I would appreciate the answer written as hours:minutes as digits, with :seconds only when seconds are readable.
12:57
